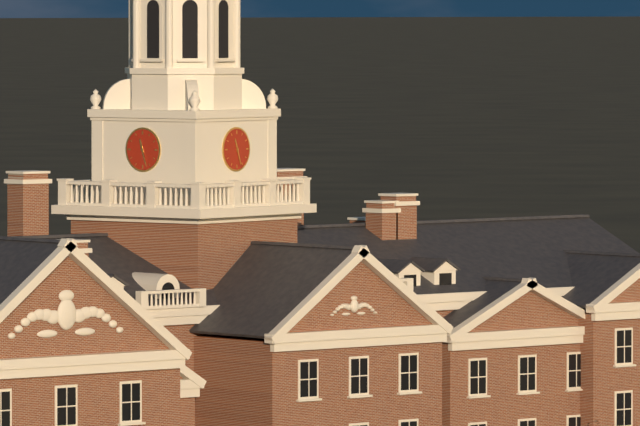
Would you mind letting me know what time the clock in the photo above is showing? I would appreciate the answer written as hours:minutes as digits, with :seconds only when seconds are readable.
11:27
